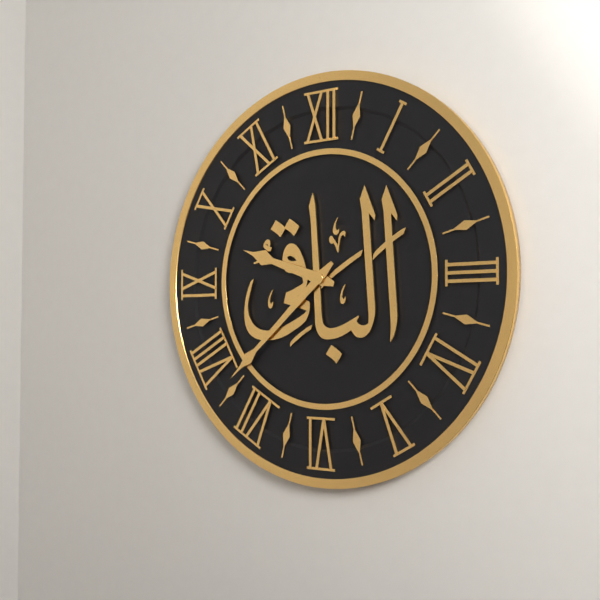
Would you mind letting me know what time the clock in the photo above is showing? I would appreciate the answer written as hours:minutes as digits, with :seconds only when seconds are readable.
9:38
